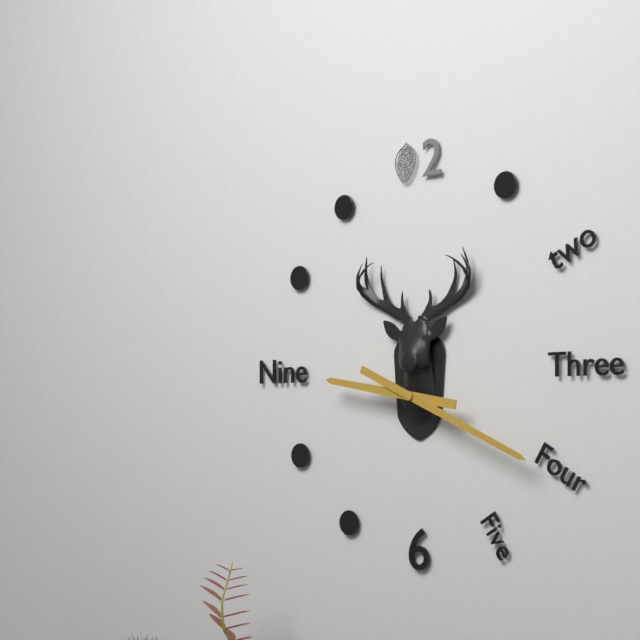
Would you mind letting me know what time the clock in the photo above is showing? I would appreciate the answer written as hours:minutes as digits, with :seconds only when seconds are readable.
9:19
